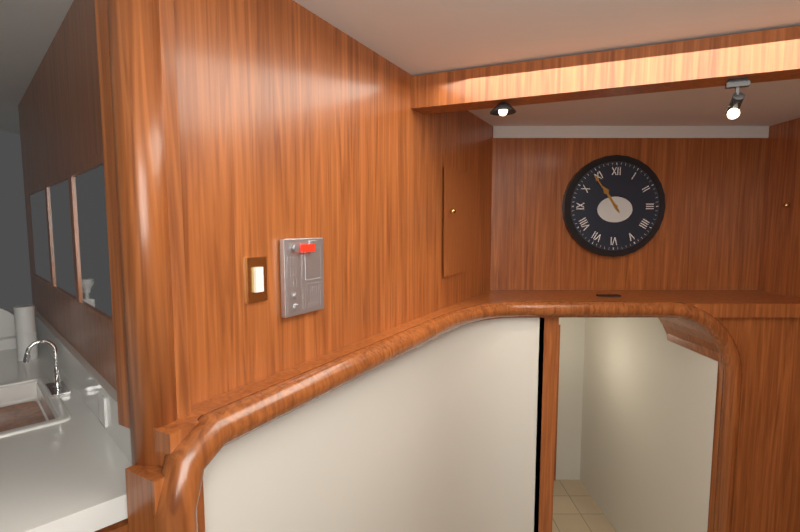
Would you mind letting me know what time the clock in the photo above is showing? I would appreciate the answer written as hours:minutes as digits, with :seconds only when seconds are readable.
10:54
